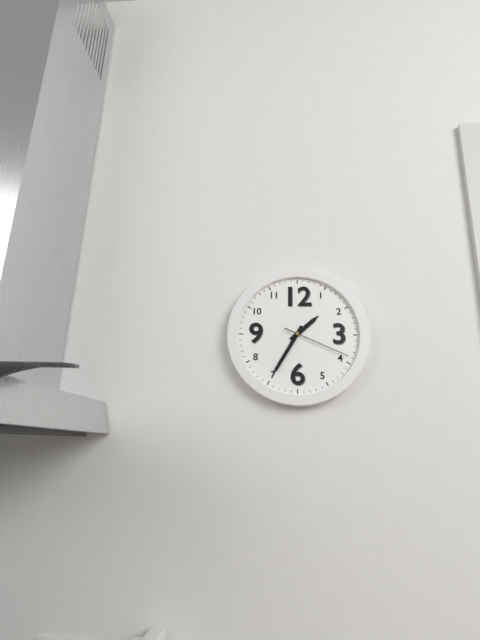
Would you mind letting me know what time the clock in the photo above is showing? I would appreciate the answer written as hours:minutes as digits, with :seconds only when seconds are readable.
1:35:19
